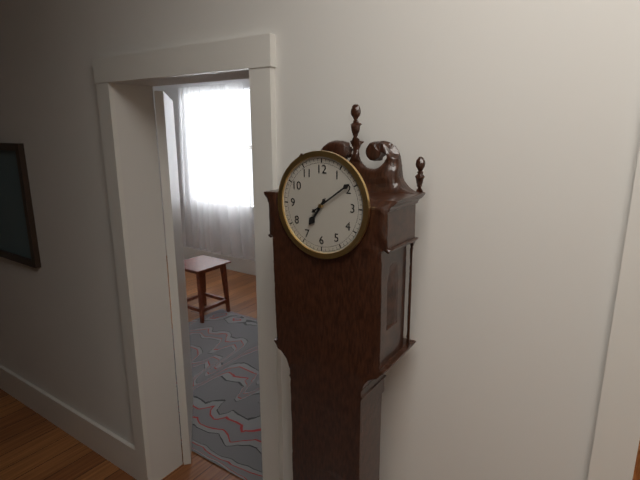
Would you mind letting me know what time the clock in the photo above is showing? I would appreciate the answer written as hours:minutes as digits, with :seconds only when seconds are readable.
7:09
